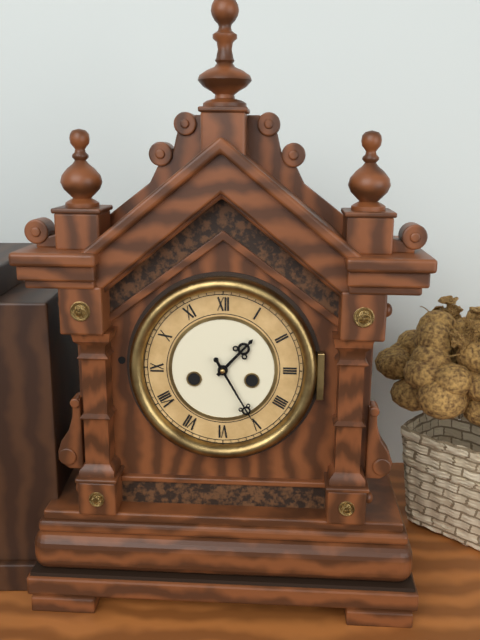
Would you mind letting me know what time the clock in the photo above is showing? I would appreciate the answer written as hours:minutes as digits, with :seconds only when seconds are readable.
1:25
